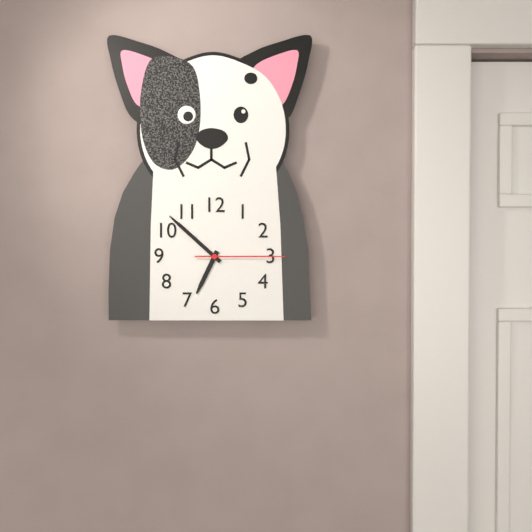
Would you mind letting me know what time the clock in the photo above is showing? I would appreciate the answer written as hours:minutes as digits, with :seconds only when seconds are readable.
6:52:15
